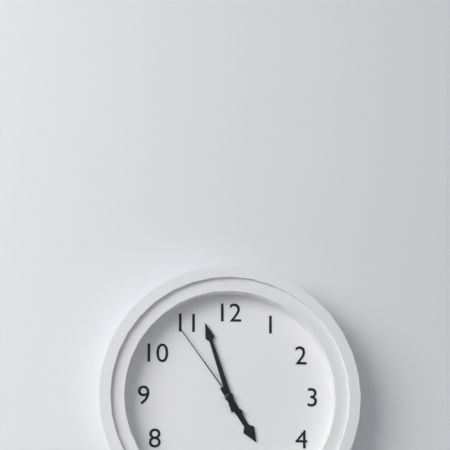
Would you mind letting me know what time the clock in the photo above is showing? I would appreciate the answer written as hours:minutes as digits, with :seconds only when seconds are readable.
4:57:54
